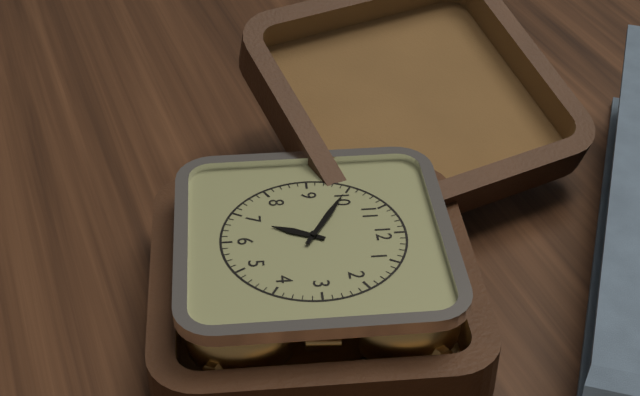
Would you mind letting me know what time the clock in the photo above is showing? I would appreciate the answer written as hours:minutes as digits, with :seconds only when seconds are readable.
6:50
